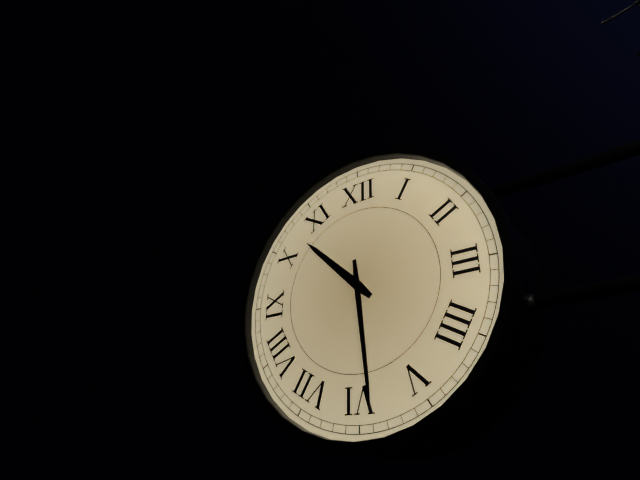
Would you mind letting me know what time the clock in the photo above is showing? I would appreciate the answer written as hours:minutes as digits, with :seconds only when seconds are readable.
10:29
